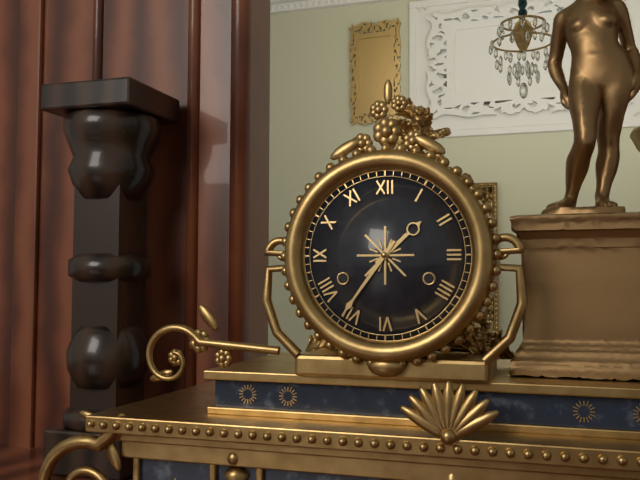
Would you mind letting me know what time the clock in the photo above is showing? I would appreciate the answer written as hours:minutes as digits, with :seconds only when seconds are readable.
1:36
